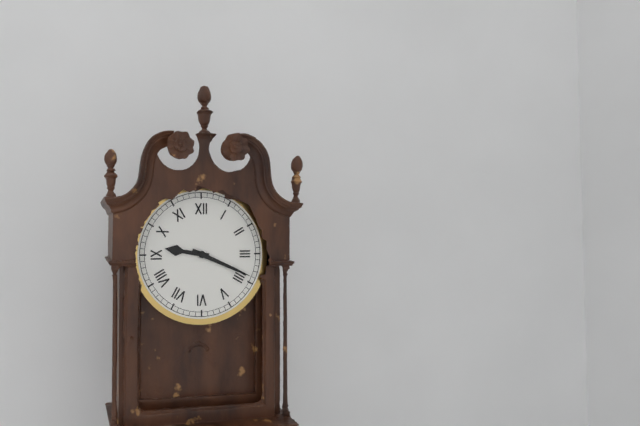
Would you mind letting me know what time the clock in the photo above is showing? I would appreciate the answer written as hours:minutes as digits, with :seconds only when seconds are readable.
9:19
